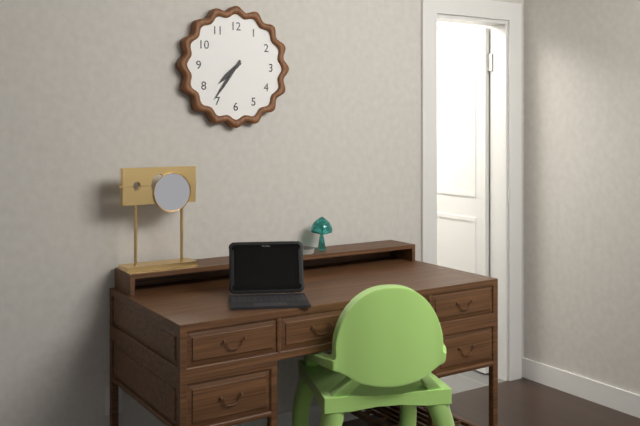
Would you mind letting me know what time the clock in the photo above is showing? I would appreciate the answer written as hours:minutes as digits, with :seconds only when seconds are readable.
7:36
